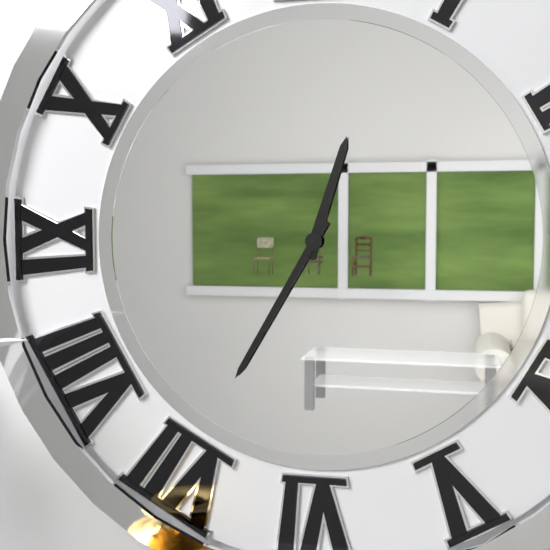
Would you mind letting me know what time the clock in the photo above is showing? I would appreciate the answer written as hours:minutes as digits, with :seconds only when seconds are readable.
12:35
